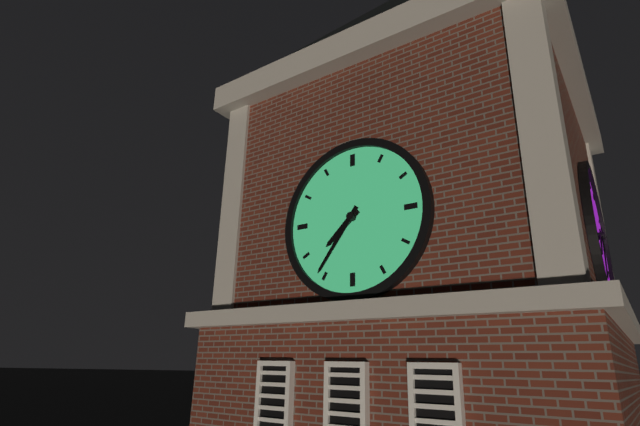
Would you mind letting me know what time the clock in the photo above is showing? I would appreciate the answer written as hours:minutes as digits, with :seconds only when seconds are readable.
7:36
